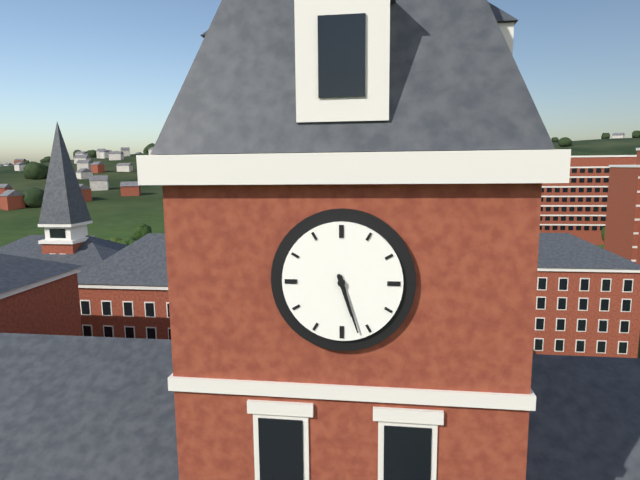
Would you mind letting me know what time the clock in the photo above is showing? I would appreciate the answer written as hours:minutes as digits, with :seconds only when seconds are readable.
5:27
